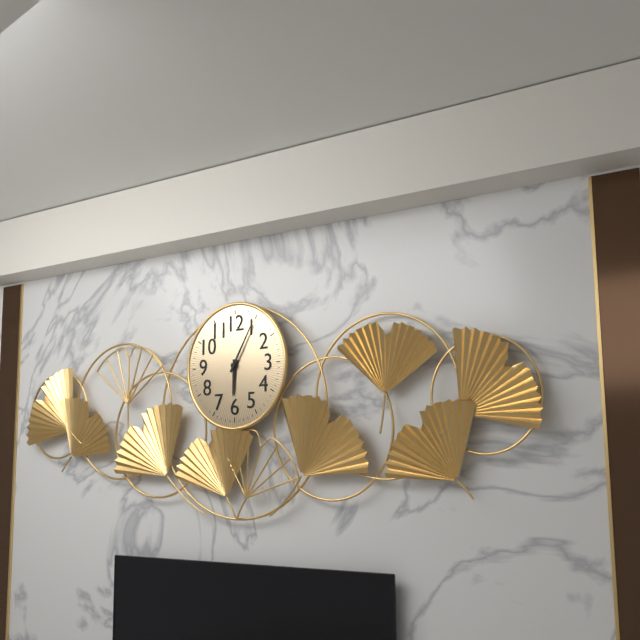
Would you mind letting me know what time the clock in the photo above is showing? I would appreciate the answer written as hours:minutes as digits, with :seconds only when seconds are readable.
6:05
